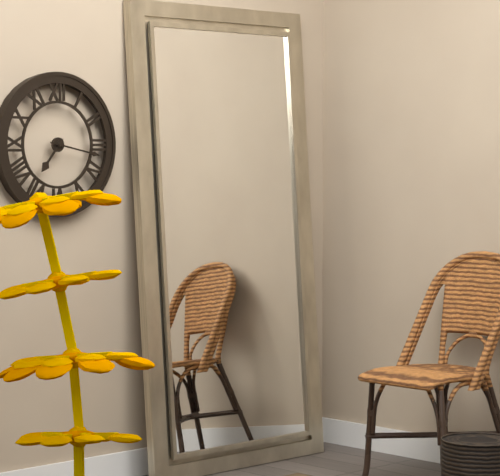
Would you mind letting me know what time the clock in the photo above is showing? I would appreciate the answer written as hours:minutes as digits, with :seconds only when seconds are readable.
7:17
